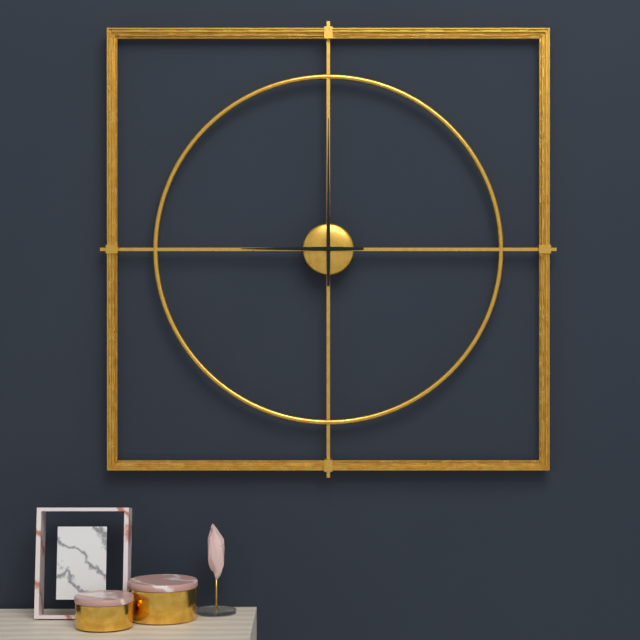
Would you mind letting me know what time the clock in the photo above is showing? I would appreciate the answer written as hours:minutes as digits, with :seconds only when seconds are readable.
9:00
